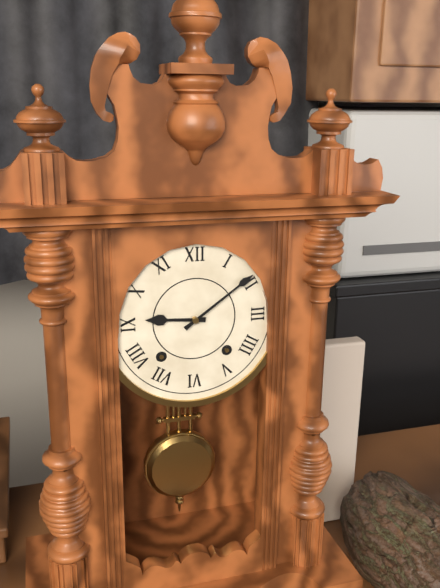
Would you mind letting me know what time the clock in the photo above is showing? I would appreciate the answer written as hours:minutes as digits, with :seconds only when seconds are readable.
9:09
